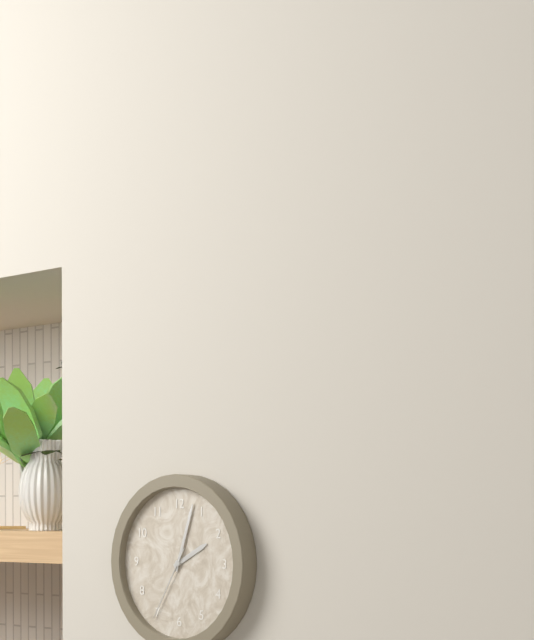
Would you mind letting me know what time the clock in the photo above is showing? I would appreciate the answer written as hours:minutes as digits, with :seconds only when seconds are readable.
2:03:35
